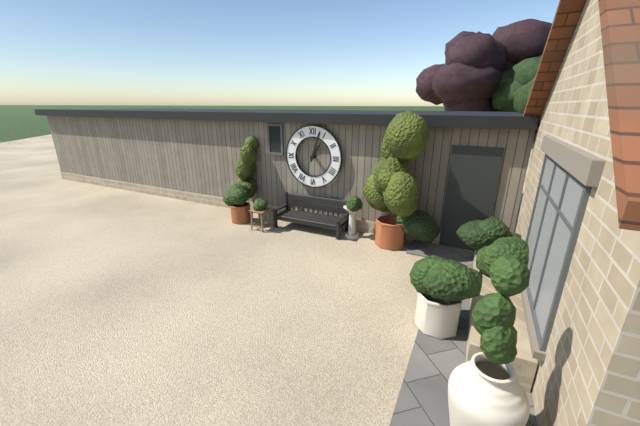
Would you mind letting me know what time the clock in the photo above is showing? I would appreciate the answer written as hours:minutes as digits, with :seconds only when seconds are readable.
1:03
